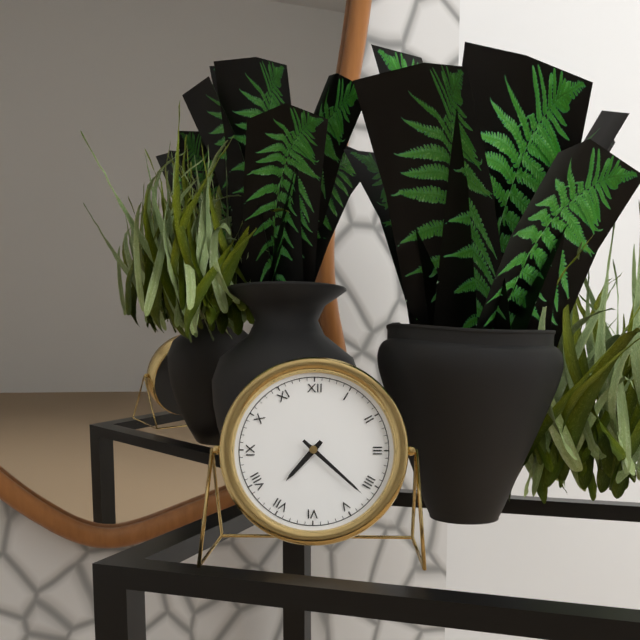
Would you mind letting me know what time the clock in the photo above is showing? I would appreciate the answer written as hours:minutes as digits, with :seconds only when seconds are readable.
7:22
